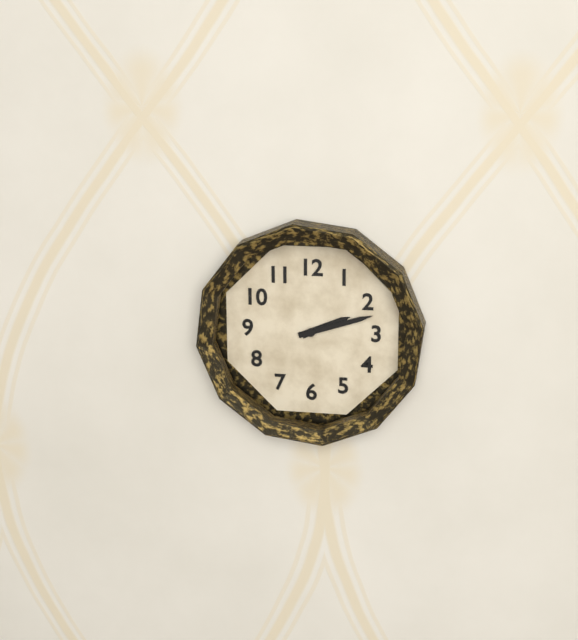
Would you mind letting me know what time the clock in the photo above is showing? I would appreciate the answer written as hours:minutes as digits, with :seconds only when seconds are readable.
2:12
